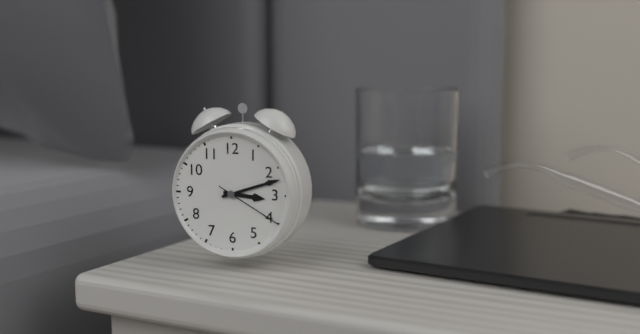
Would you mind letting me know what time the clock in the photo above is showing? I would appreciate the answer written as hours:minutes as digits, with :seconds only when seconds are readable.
3:12:20
